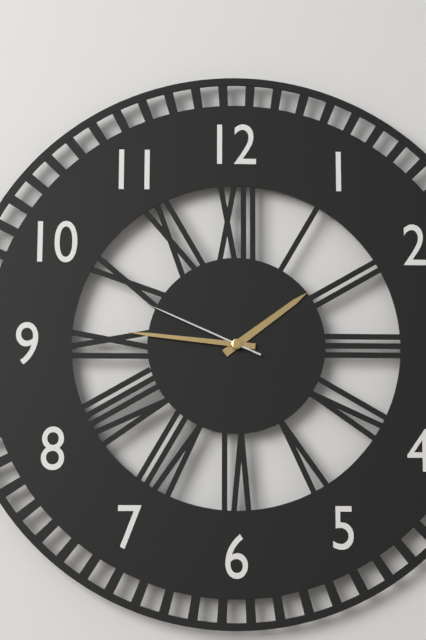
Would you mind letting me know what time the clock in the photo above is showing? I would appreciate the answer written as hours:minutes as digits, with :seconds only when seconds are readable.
1:46:49
